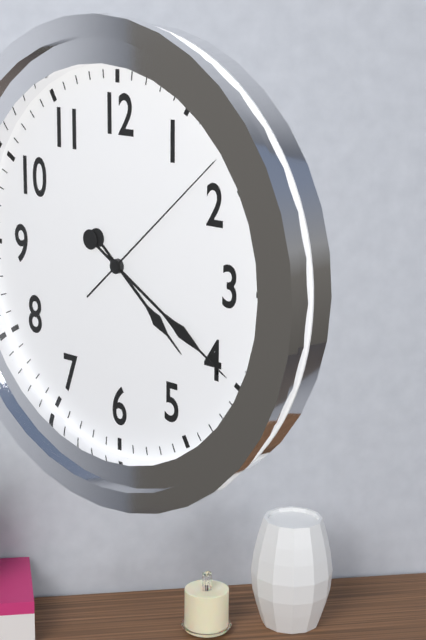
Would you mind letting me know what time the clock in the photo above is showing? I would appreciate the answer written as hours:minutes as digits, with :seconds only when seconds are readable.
4:20:08
